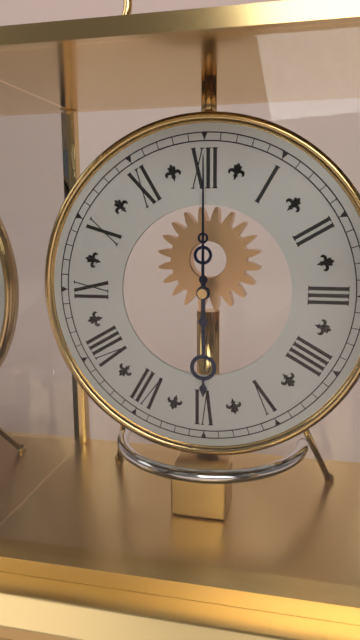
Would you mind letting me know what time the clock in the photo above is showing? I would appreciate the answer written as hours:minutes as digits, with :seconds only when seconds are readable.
6:00
